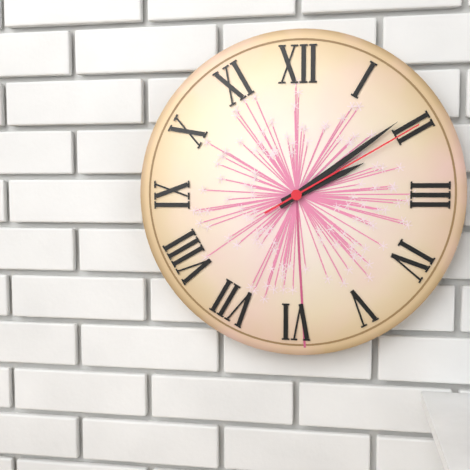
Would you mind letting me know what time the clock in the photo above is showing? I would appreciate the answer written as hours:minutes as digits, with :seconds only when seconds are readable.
2:09:10
